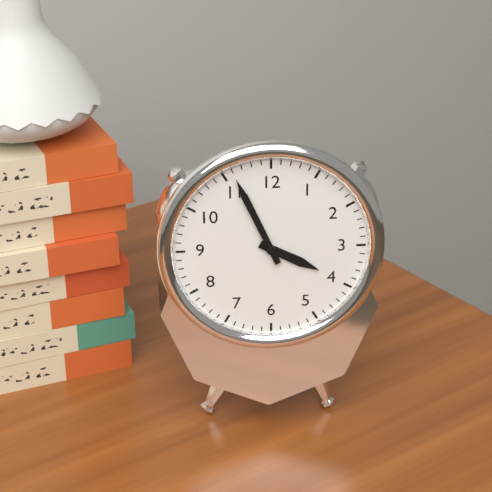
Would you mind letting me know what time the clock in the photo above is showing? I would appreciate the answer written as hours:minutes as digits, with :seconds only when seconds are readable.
3:56
